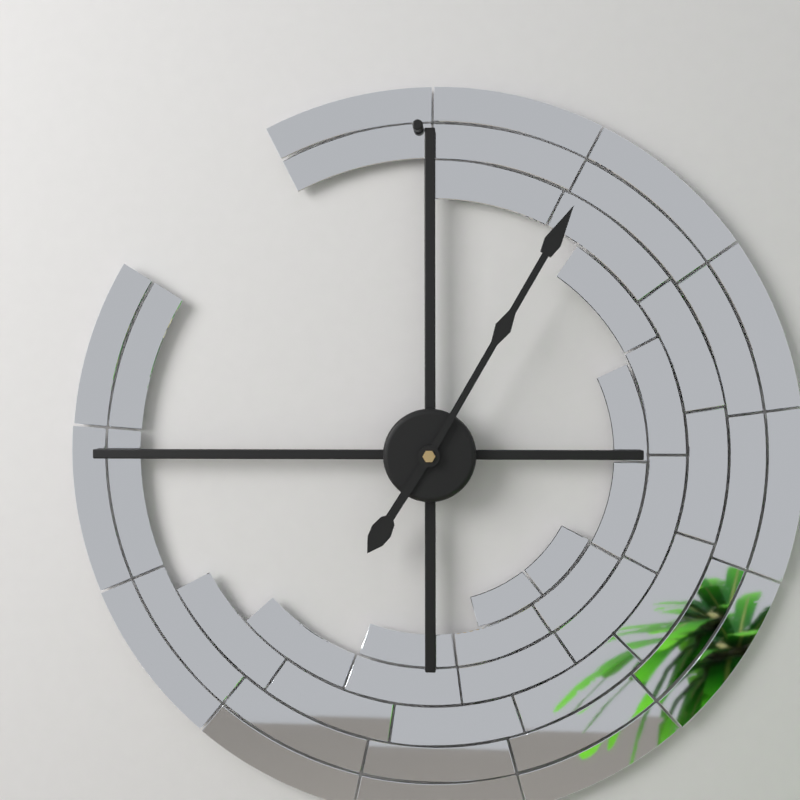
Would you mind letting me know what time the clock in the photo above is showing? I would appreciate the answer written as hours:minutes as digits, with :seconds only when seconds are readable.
7:05
